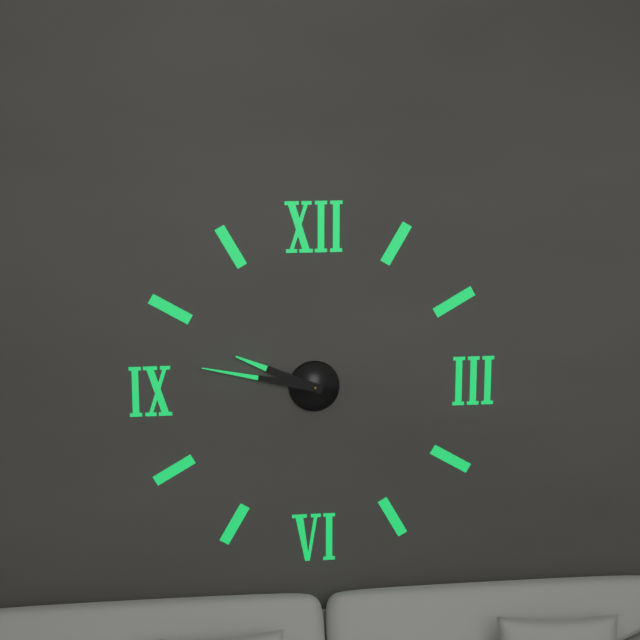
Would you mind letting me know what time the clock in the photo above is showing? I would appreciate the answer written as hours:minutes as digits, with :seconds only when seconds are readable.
9:47
